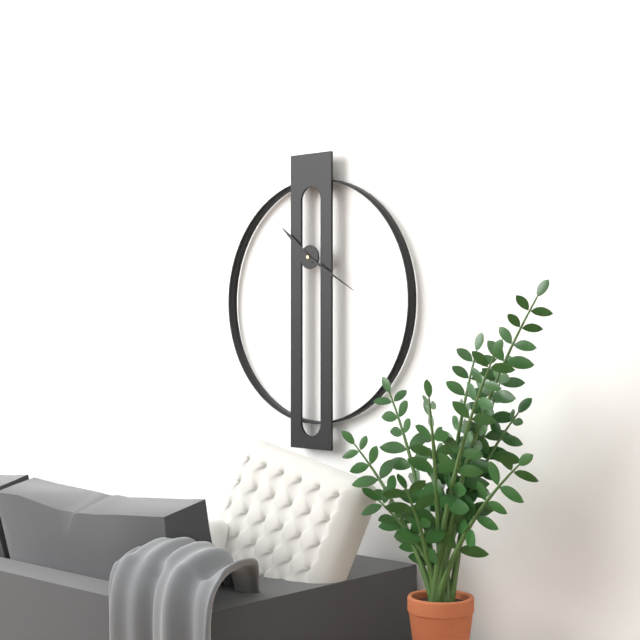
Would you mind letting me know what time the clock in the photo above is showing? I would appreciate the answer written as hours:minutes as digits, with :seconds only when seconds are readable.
10:20
